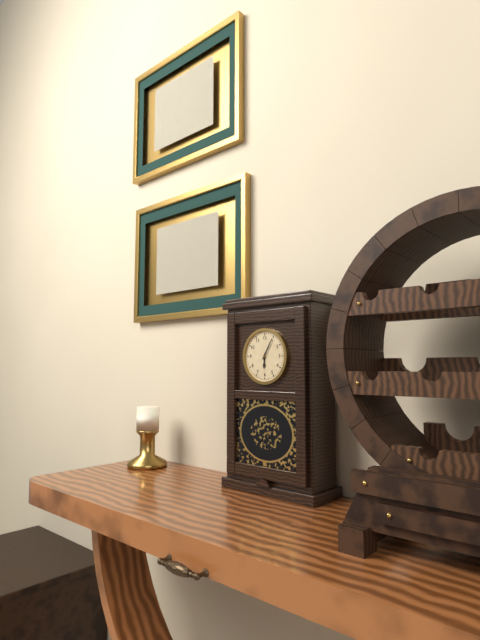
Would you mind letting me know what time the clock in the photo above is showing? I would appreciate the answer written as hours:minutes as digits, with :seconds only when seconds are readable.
6:05
